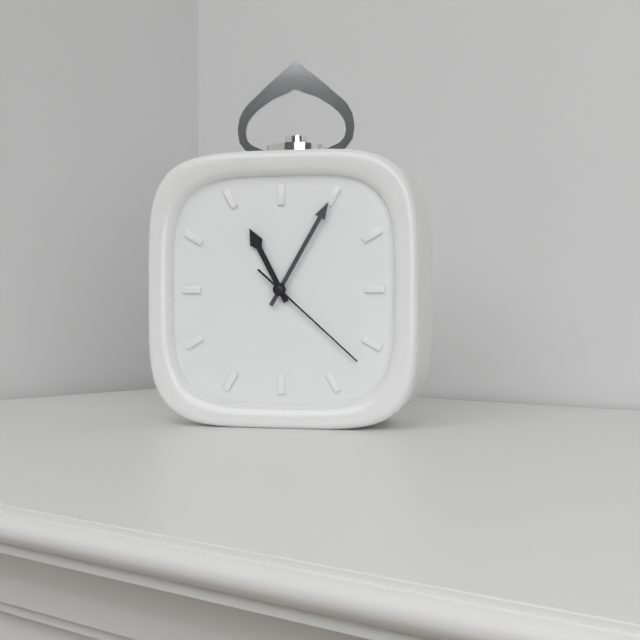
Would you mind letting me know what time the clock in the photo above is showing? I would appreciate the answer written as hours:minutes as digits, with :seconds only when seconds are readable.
11:05:22
